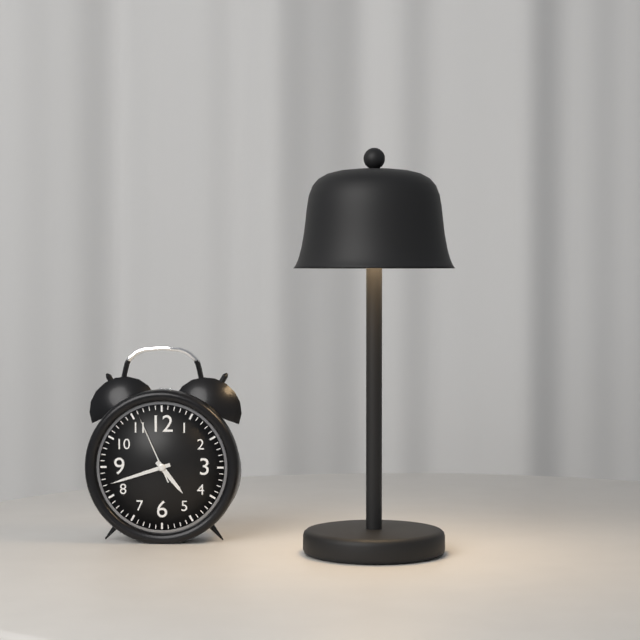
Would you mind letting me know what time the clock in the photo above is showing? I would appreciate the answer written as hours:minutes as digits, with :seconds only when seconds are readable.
4:42:56
